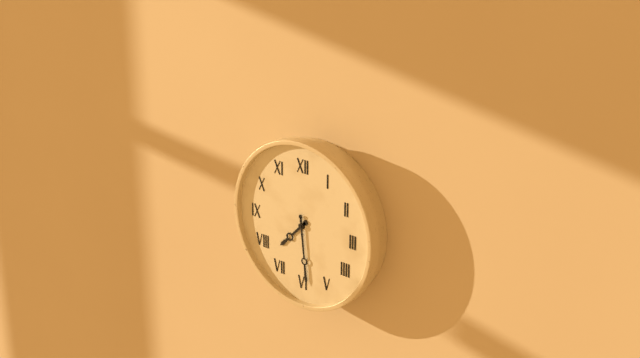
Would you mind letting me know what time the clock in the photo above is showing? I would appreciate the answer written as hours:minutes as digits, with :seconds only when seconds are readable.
7:29
